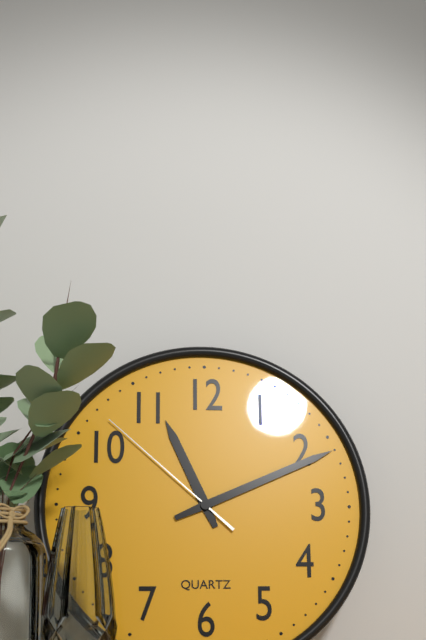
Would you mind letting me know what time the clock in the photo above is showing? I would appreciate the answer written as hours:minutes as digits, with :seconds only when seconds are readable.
11:11:52
